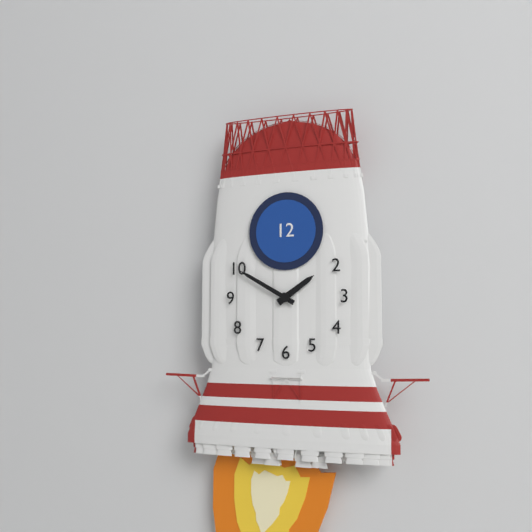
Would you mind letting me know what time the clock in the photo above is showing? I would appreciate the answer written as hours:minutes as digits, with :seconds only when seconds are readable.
1:50
